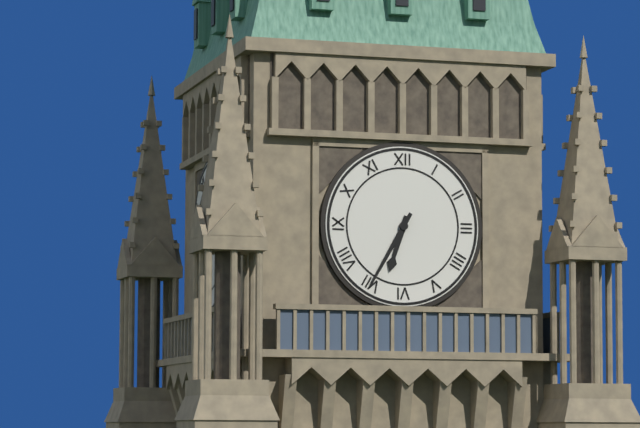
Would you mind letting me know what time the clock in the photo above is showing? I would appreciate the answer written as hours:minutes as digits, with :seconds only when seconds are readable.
6:35
